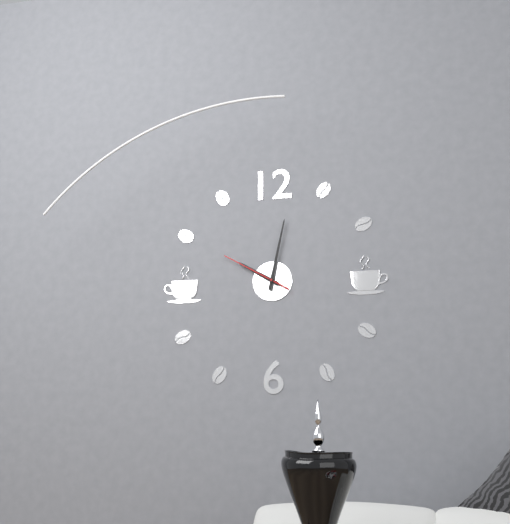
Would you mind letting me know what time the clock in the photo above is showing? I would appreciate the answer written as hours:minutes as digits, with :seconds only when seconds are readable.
10:02:50
